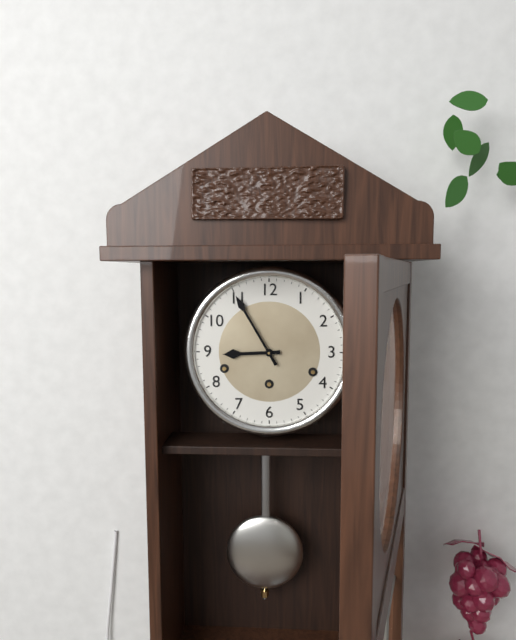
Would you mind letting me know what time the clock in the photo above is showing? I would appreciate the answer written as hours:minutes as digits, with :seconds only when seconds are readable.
8:55
